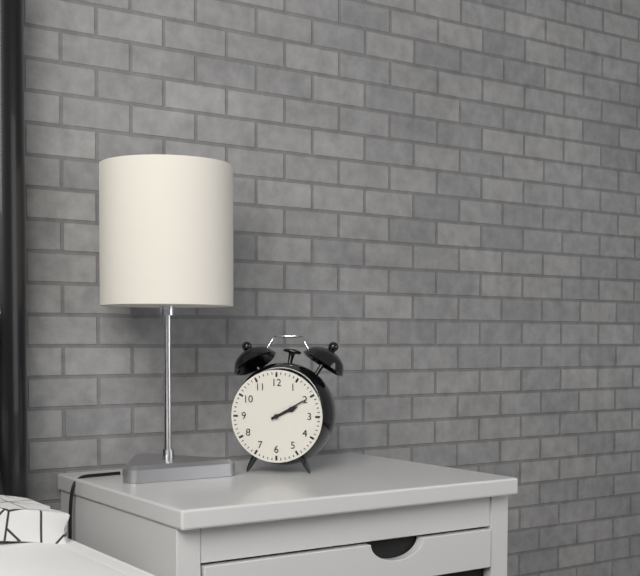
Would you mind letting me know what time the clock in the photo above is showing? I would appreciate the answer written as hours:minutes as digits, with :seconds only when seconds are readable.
2:10
